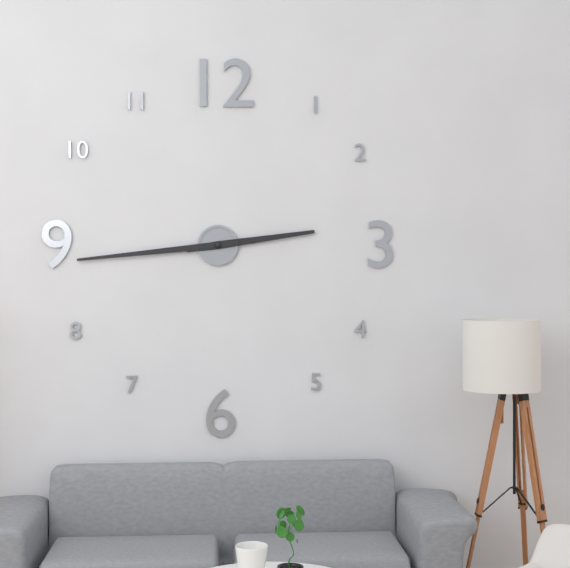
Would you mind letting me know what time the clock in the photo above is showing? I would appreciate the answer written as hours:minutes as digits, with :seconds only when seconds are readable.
2:44
